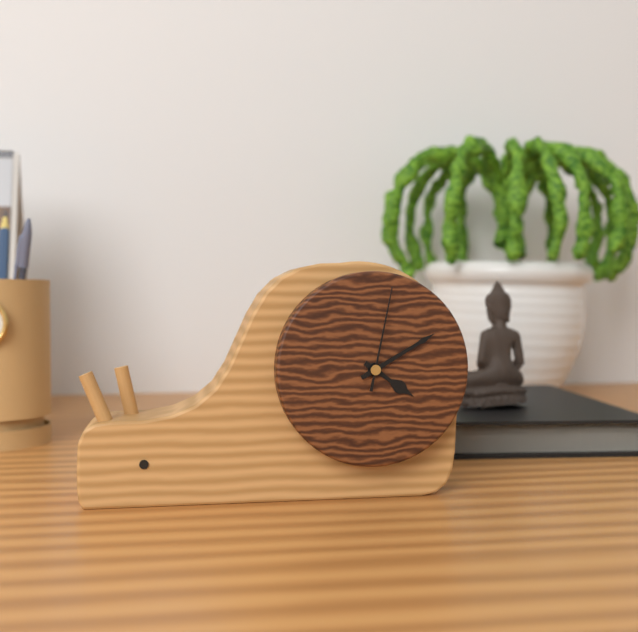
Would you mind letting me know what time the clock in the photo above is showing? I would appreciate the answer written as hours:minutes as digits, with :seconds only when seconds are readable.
4:10:02
